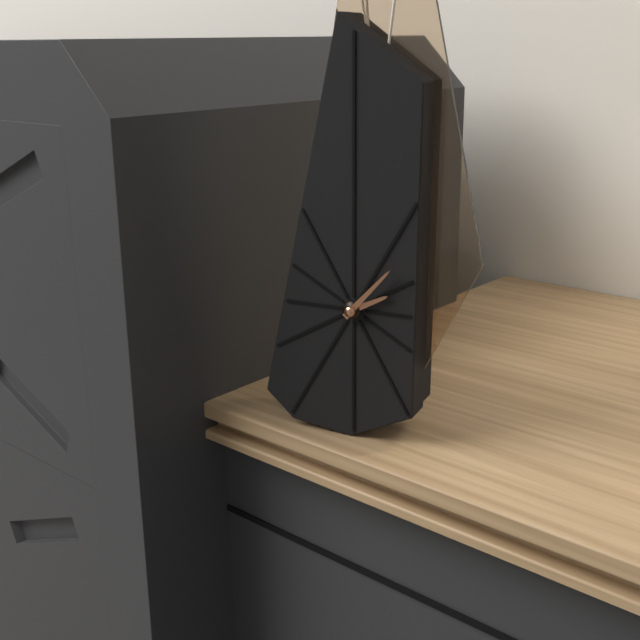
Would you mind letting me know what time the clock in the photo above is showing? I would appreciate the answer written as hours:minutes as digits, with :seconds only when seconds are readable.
2:07
